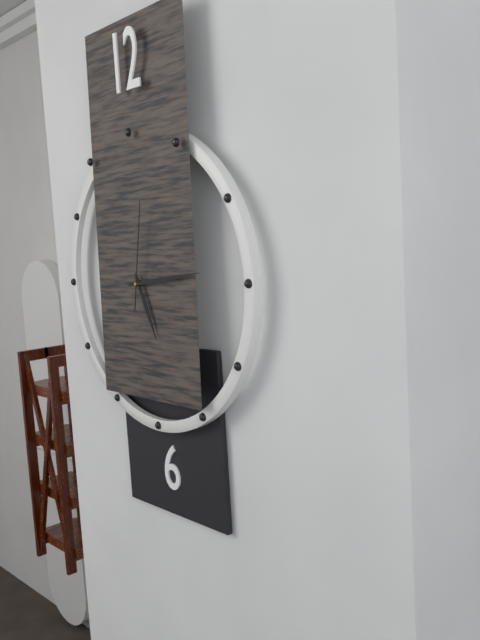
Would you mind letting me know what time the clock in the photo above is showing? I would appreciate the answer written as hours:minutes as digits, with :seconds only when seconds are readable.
5:14:02
